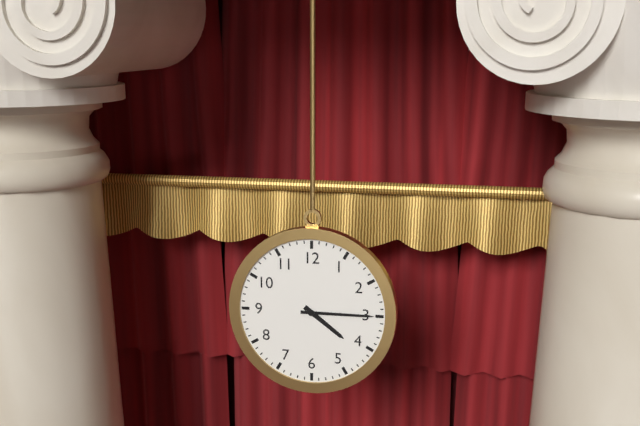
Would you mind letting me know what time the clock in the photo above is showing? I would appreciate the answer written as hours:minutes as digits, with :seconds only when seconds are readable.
4:15
